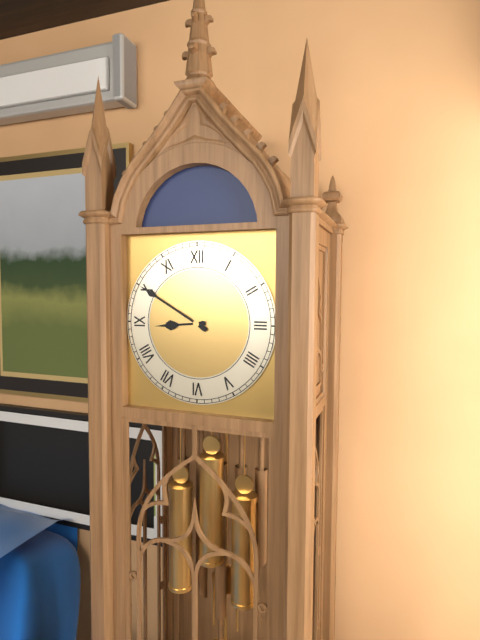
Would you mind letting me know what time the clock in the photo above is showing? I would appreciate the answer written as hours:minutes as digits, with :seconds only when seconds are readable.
8:50
